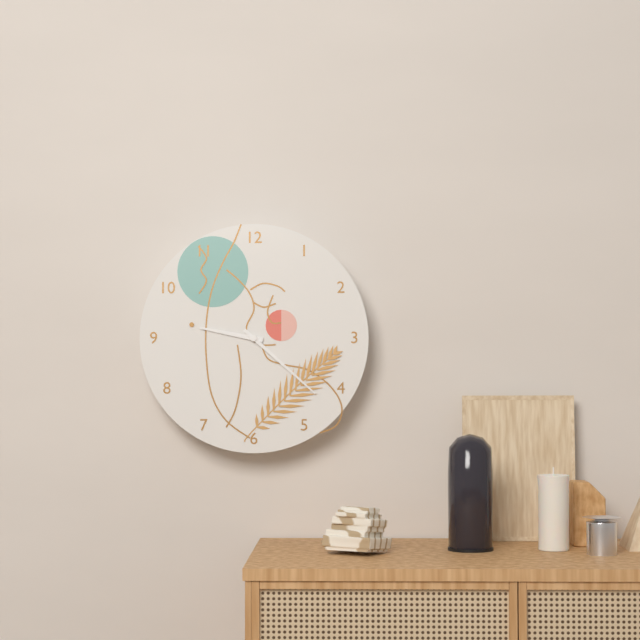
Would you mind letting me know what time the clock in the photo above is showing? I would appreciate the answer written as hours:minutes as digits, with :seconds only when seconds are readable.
9:22
